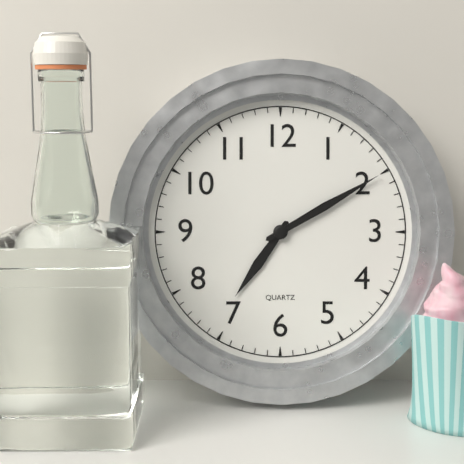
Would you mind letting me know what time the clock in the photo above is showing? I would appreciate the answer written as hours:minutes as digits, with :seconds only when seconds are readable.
7:10
